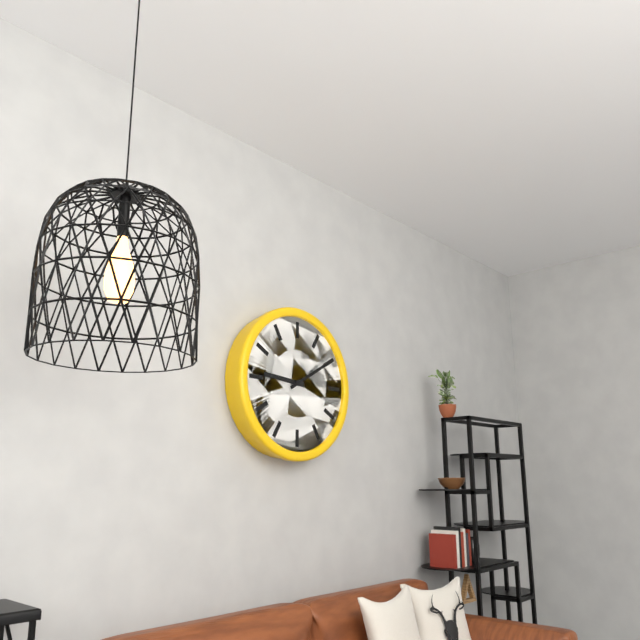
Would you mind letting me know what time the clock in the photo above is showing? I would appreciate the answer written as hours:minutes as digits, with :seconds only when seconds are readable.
9:10
